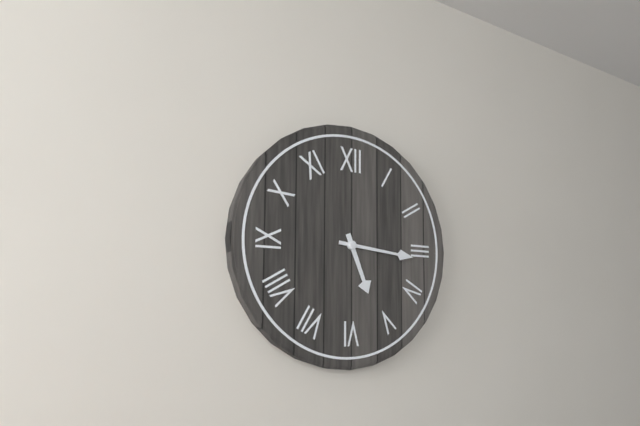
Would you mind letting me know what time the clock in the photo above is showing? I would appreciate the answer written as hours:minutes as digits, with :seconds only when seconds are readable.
5:16
